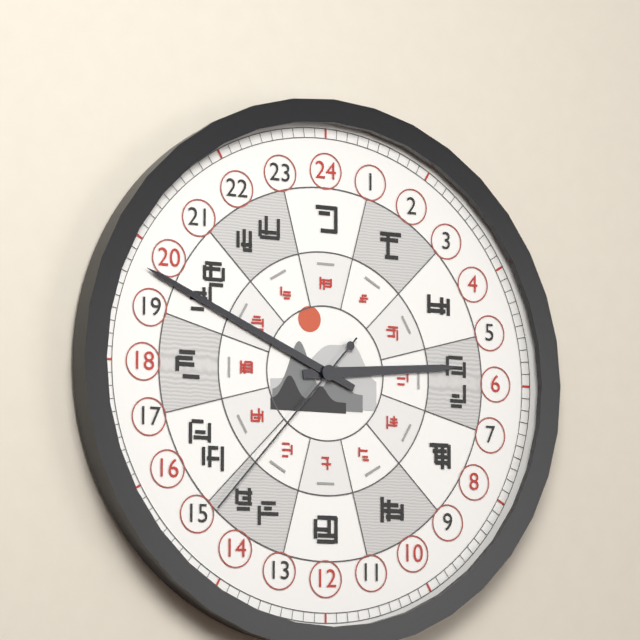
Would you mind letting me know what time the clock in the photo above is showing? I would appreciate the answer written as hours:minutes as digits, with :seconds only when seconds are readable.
2:49:37
